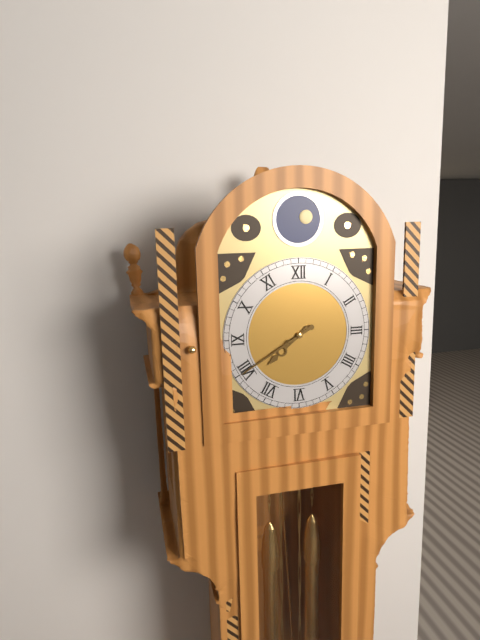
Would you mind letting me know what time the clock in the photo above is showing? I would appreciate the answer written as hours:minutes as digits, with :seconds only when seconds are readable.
7:40
